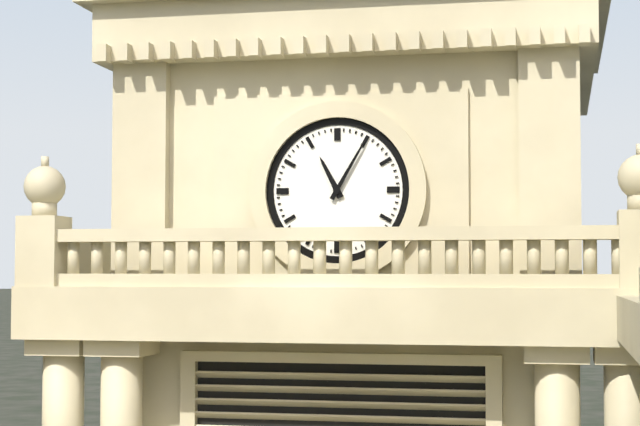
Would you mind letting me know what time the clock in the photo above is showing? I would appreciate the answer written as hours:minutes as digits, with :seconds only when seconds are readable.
11:05
